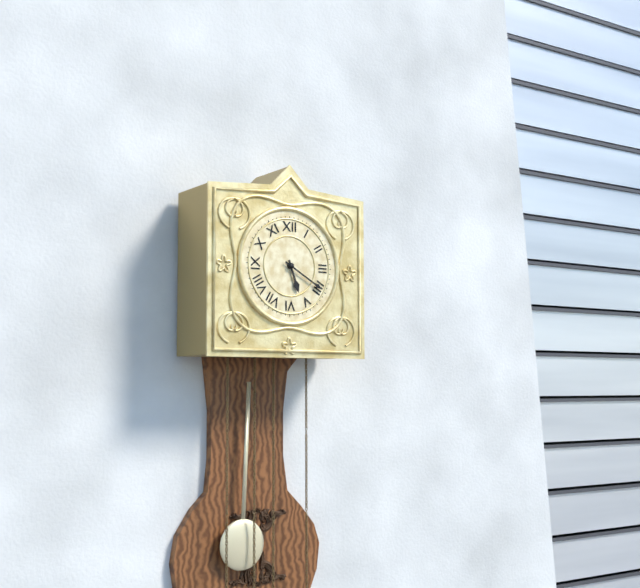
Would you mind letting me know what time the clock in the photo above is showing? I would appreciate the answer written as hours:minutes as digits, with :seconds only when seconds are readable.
5:20
